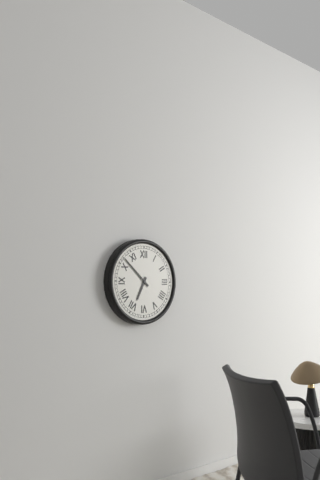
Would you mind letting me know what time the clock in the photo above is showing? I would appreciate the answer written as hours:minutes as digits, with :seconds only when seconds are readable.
6:52
